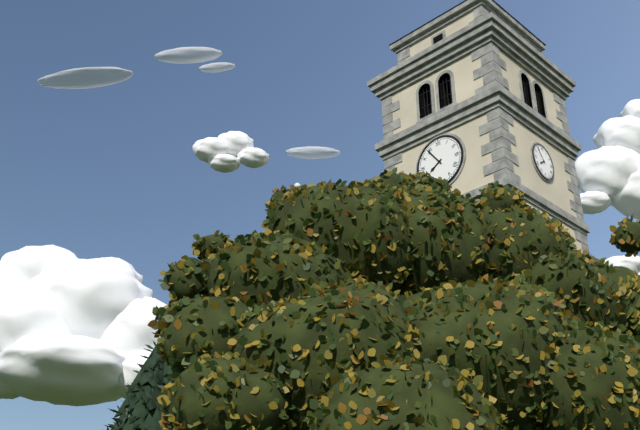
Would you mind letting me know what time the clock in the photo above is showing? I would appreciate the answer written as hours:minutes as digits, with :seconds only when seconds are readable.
7:54
